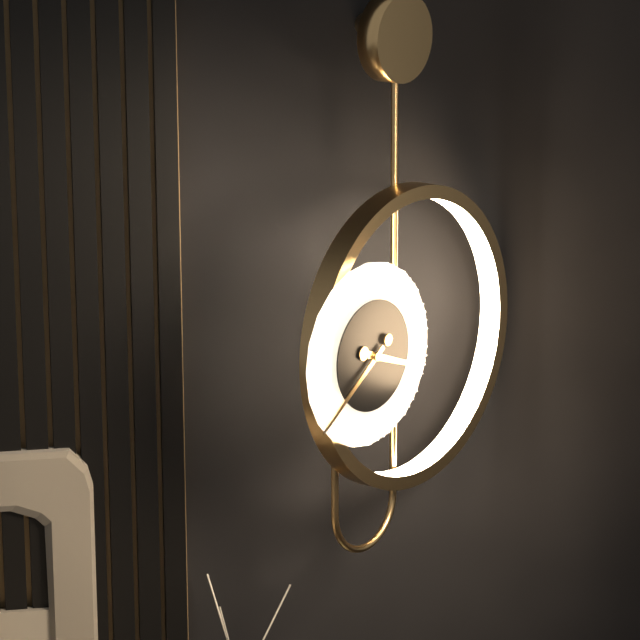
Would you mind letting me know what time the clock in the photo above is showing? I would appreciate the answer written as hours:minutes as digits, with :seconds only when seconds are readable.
3:39
